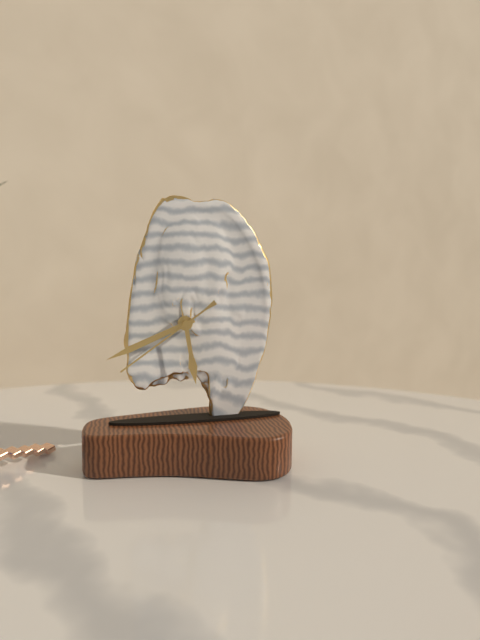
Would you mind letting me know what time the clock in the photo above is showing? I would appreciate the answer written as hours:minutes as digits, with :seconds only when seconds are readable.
5:41:39
